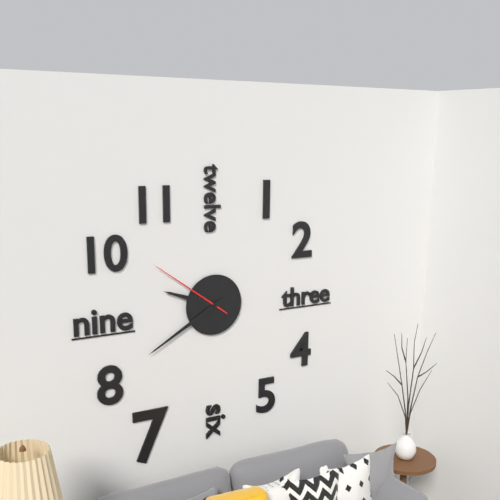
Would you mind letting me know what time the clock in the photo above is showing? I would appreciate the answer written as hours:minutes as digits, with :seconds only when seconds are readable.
9:40:51
